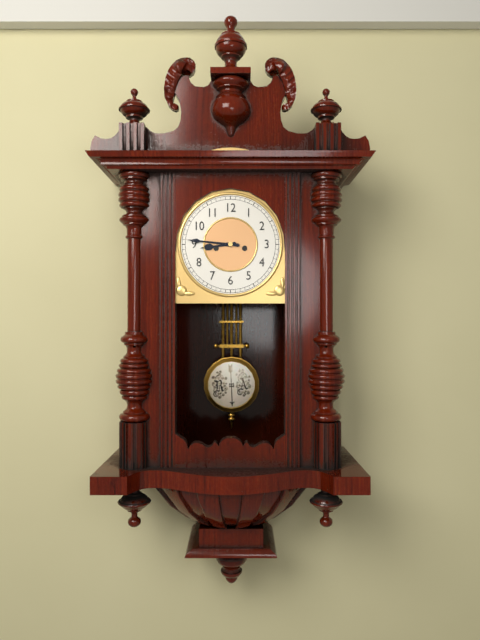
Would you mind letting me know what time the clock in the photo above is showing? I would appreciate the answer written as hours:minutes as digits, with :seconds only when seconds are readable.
8:46
